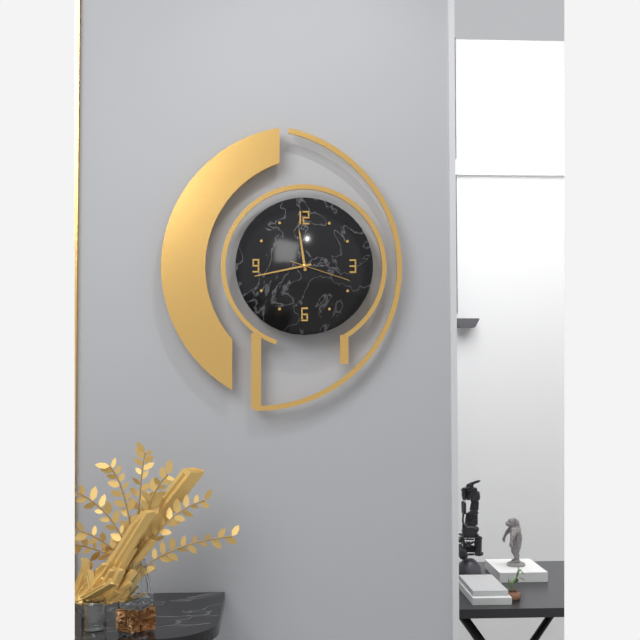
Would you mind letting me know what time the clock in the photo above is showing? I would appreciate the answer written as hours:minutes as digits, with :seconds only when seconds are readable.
11:43:18
